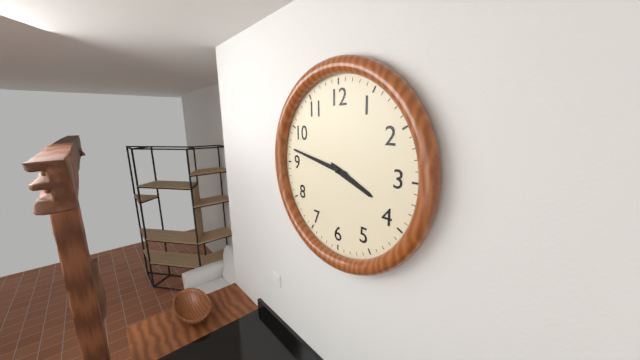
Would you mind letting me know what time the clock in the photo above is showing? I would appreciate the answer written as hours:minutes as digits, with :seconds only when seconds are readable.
3:47
